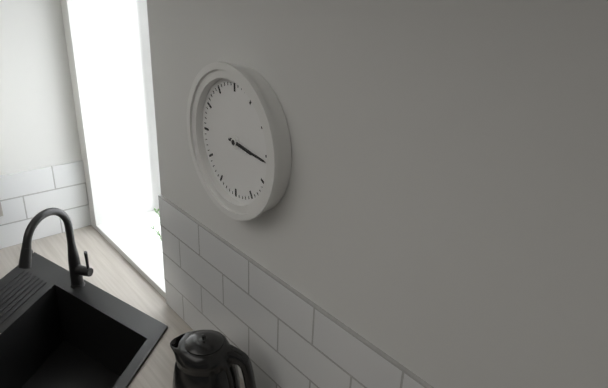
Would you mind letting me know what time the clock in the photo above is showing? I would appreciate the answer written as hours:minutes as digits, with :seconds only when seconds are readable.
3:16
